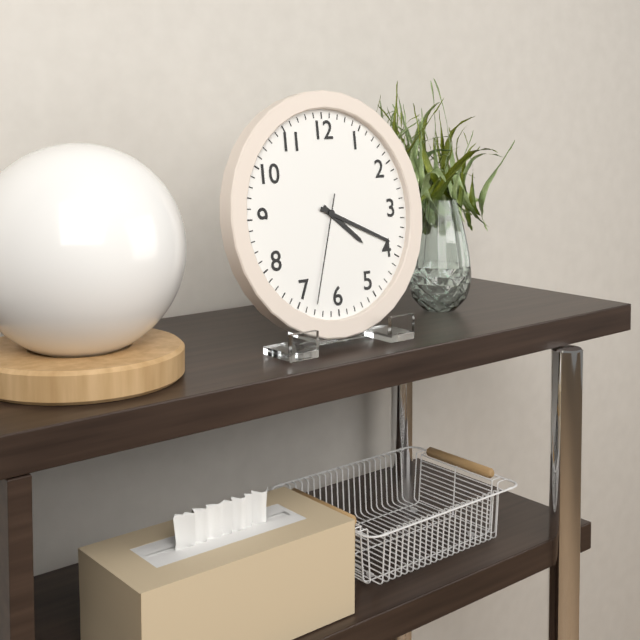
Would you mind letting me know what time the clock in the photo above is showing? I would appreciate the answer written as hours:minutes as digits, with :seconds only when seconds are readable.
4:19:33
